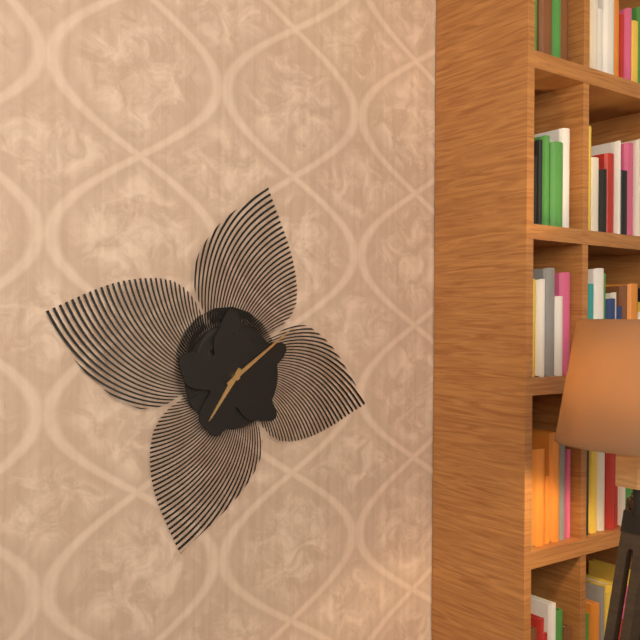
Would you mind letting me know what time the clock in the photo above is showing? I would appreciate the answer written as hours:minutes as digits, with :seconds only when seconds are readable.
7:09
